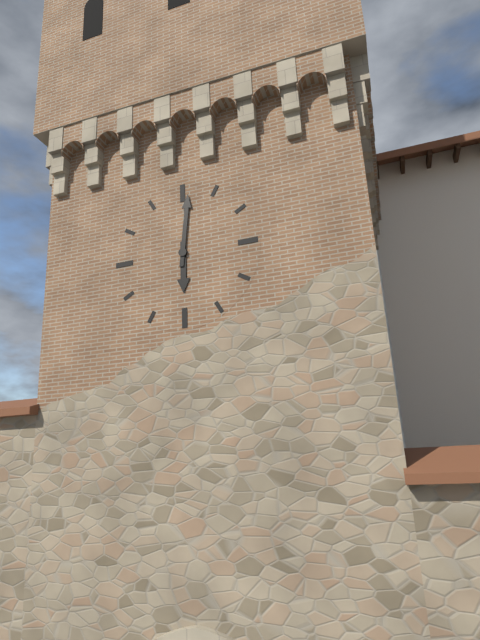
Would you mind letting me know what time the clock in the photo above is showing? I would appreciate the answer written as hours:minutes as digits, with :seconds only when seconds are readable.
6:01
